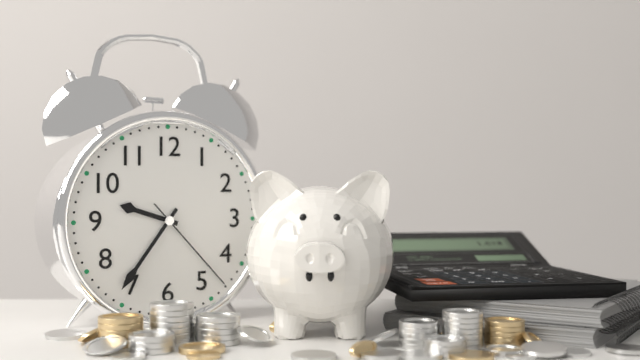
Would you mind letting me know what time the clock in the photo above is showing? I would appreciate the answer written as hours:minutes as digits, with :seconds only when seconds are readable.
9:36:23
